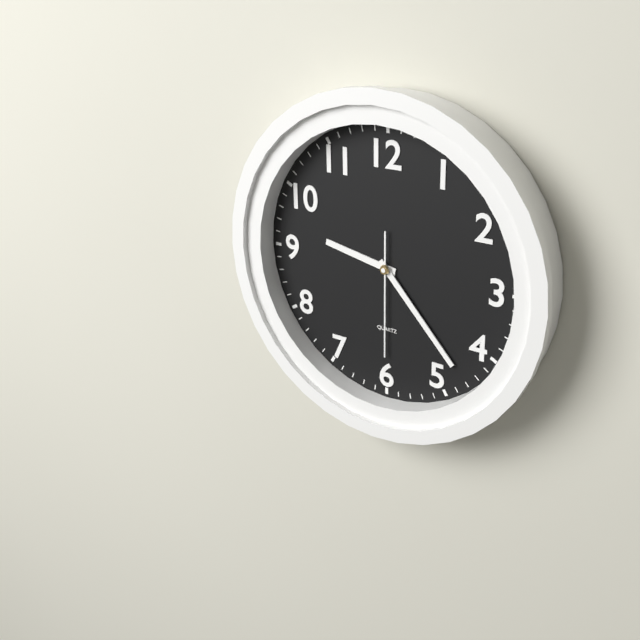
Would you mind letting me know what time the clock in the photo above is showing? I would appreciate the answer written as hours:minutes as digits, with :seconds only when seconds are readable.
9:23:30
